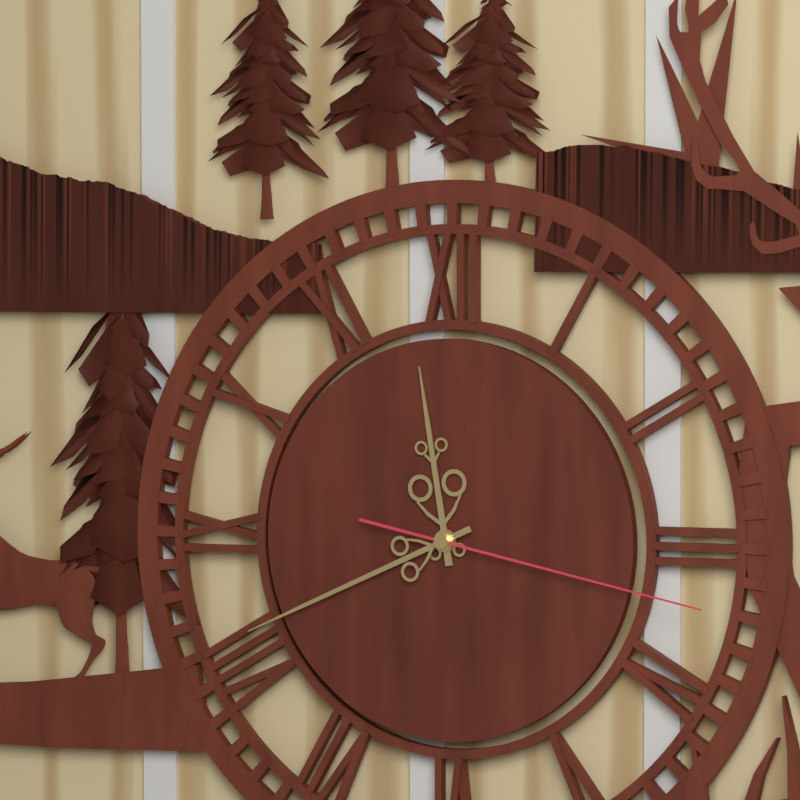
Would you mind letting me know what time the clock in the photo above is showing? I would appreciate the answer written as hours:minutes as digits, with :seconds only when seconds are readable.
11:41:17
